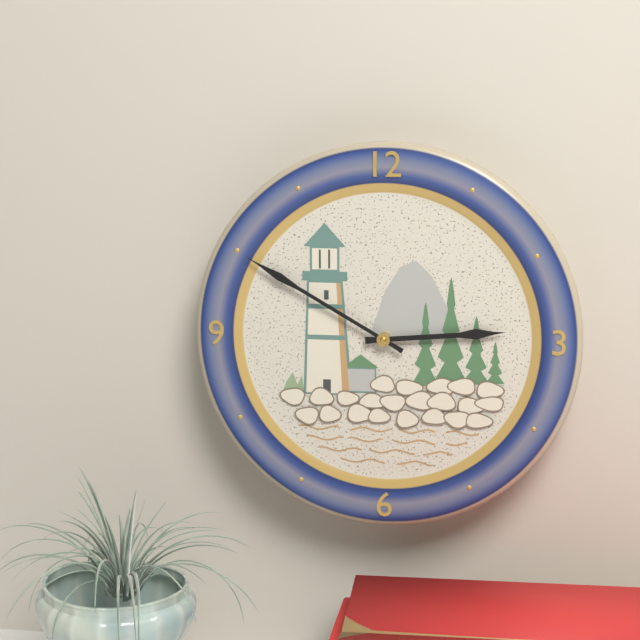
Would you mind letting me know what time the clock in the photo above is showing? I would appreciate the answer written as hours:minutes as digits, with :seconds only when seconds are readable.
2:50
